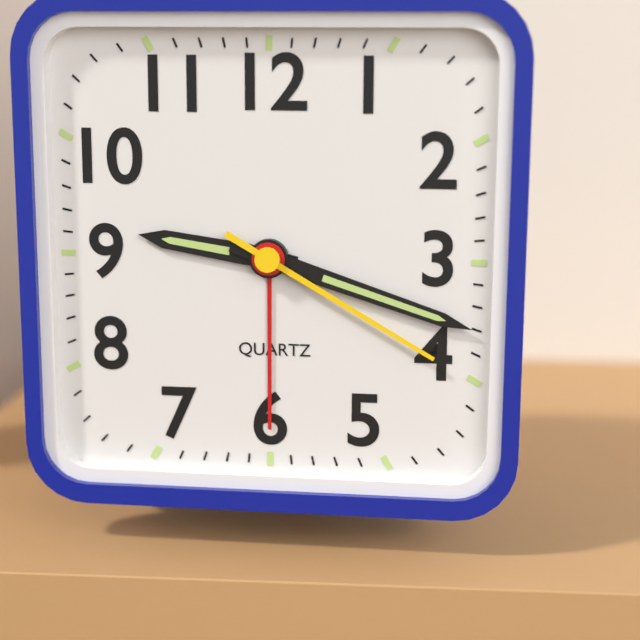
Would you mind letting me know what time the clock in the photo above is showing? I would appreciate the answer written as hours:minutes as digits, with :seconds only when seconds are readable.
9:18:20
